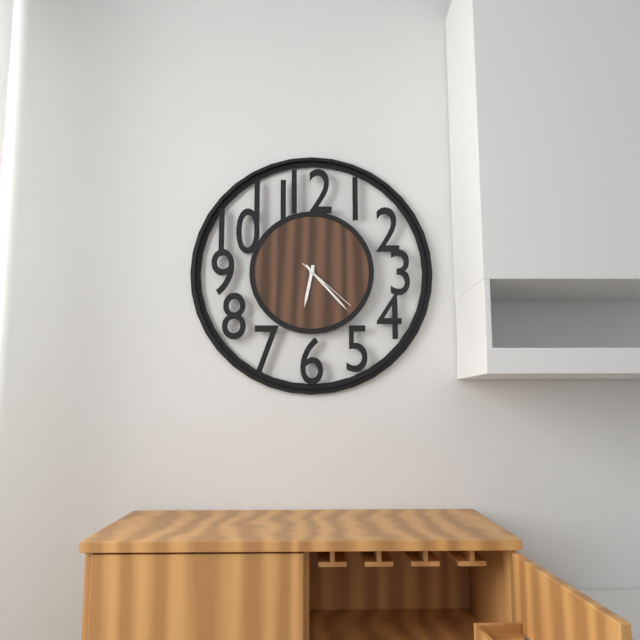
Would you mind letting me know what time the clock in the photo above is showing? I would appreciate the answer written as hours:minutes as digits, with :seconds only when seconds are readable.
6:23:22
